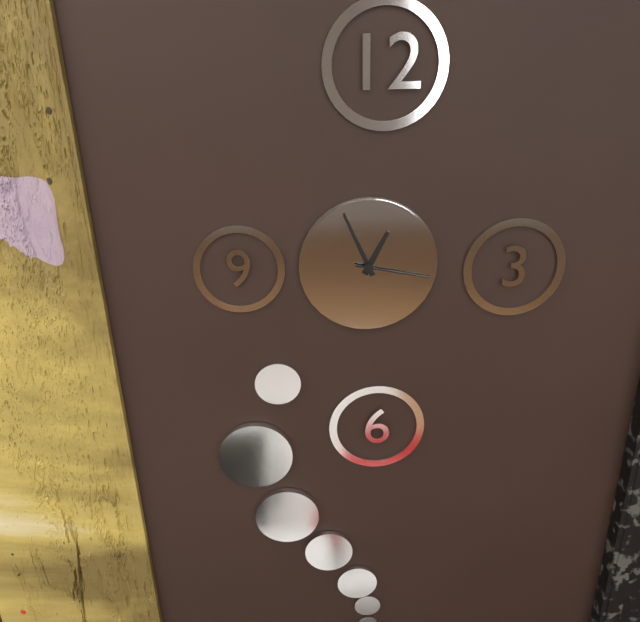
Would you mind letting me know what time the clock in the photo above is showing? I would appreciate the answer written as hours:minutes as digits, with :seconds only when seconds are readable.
12:56:17
